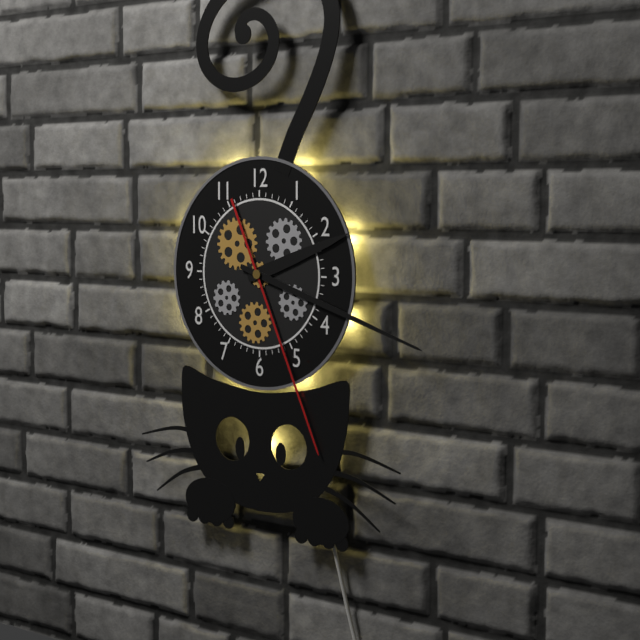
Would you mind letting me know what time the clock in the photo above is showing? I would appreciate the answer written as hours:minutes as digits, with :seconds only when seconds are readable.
2:18:26
